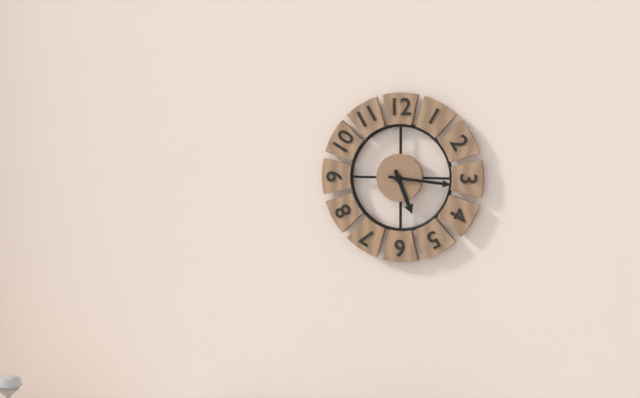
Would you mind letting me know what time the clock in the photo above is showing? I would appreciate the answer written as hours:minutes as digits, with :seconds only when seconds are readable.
5:16
